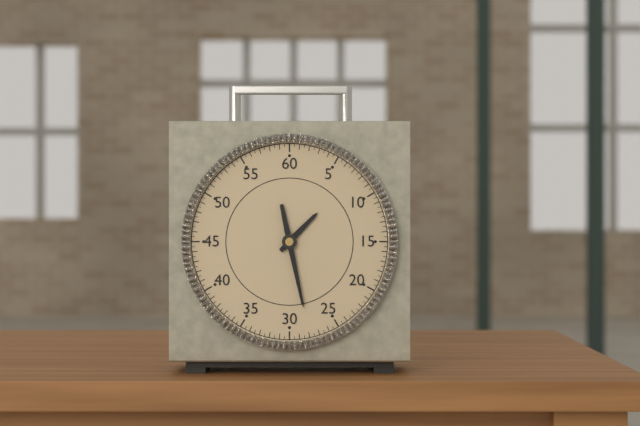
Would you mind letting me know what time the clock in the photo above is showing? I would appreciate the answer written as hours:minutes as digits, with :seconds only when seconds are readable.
1:28
